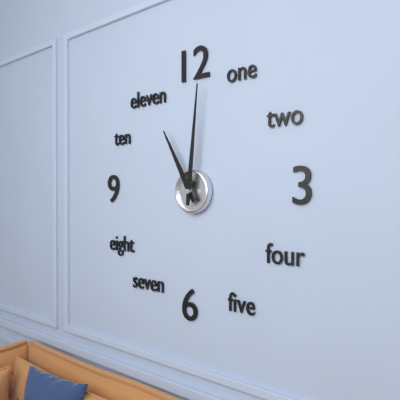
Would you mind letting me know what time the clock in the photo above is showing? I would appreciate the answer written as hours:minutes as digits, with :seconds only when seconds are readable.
11:01
